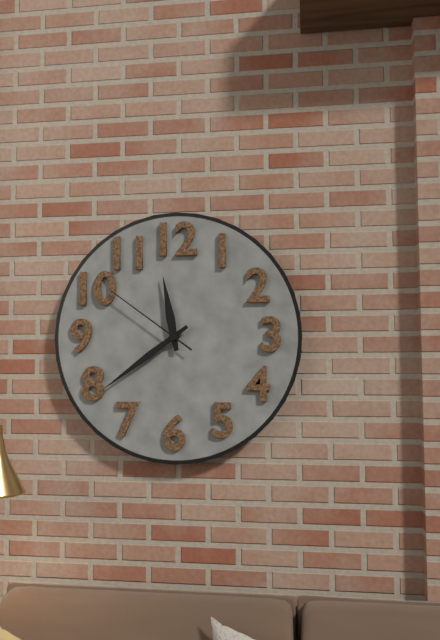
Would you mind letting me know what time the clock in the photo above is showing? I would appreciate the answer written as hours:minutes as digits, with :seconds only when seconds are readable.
11:39:51
